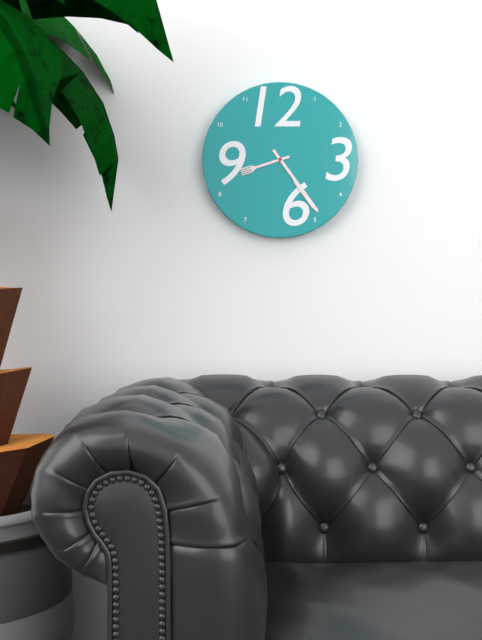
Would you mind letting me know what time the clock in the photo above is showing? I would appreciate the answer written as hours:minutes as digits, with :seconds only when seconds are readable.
8:24
